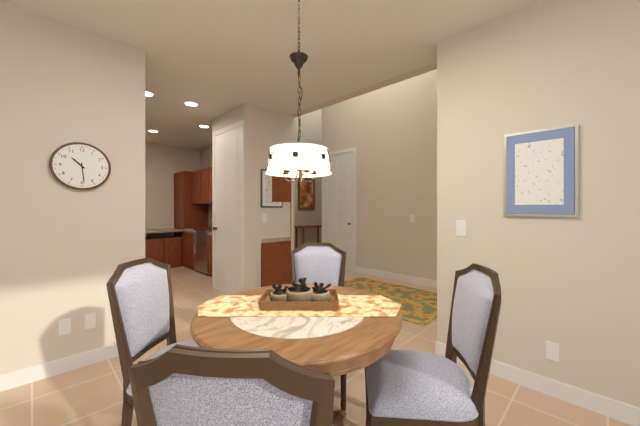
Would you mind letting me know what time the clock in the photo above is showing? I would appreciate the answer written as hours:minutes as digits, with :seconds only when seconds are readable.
10:29
